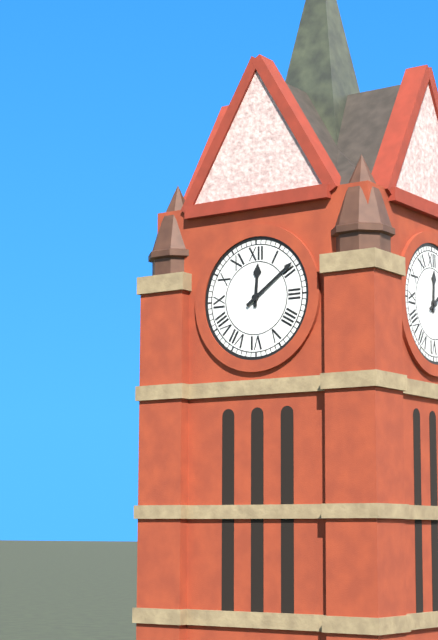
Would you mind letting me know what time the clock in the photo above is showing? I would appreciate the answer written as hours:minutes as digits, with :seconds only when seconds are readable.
12:09
